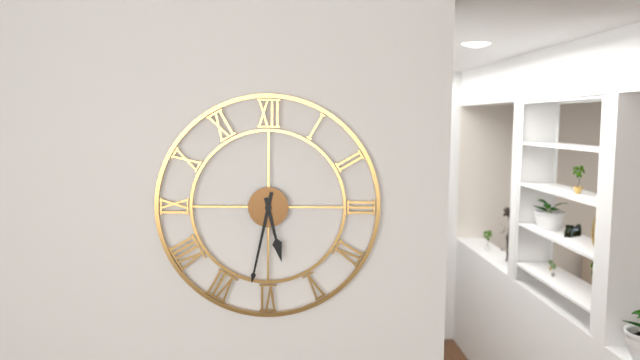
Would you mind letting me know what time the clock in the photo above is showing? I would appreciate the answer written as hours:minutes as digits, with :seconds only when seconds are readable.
5:32
